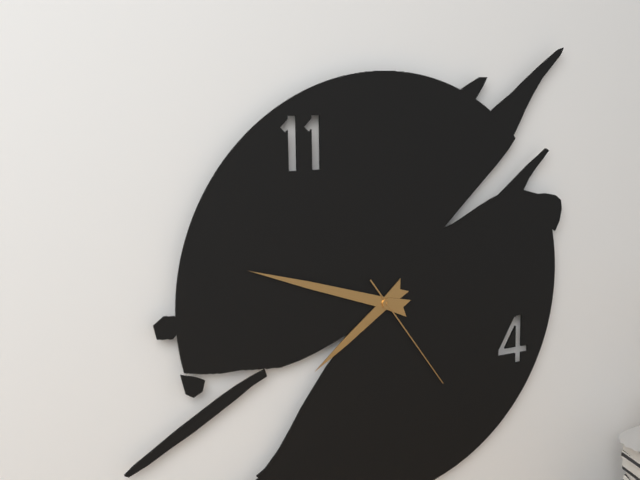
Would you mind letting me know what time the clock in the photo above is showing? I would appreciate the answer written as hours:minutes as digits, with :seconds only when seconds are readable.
7:48:24
